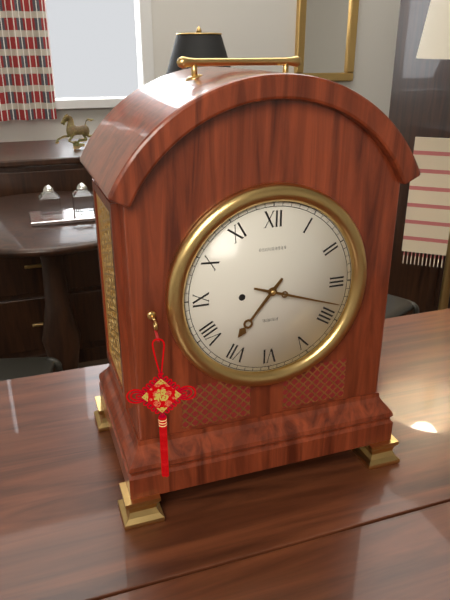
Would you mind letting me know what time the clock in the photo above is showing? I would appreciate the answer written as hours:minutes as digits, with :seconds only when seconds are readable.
7:18
